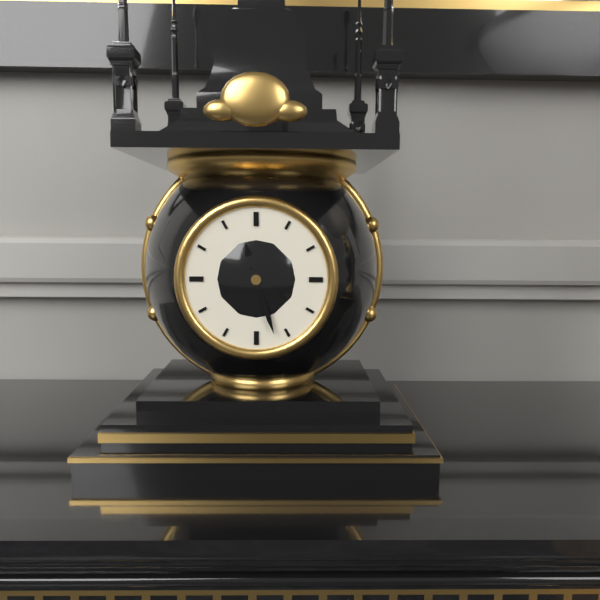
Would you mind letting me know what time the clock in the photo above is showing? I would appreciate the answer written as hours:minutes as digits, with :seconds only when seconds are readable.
11:27
